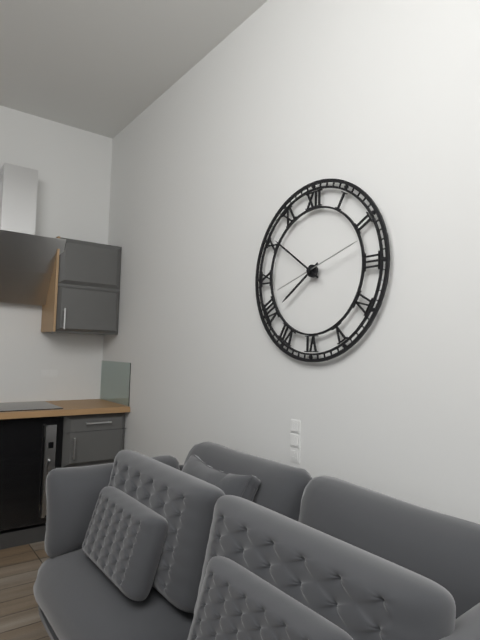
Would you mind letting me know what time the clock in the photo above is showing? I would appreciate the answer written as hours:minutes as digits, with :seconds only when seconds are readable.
7:51:12
